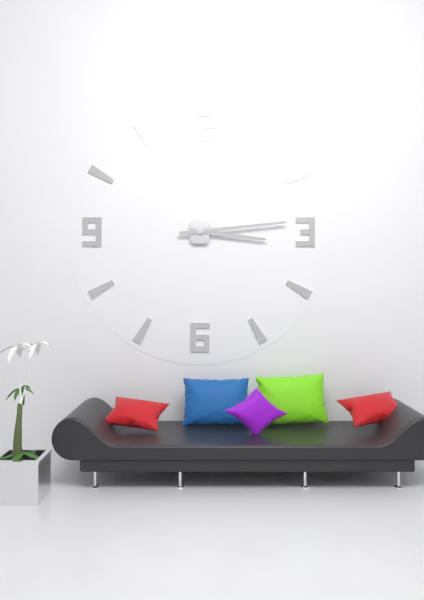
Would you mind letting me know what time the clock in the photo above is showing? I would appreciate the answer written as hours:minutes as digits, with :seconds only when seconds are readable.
3:14
